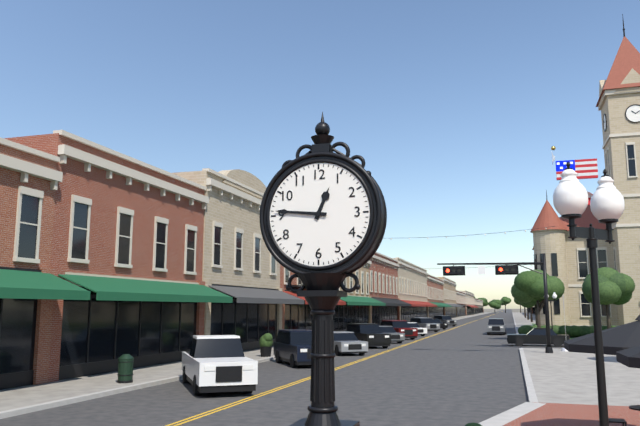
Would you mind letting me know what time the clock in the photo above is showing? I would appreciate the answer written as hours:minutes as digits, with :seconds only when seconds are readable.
12:46
